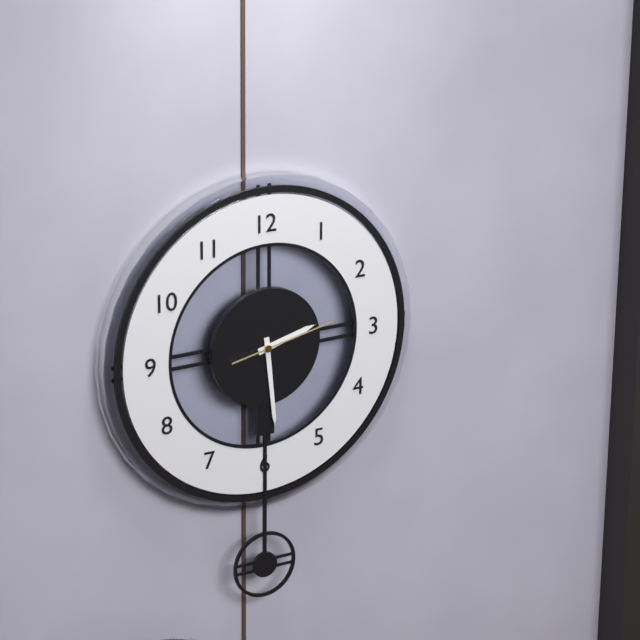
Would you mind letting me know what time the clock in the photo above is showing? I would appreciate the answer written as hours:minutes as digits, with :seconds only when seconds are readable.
2:29:13
